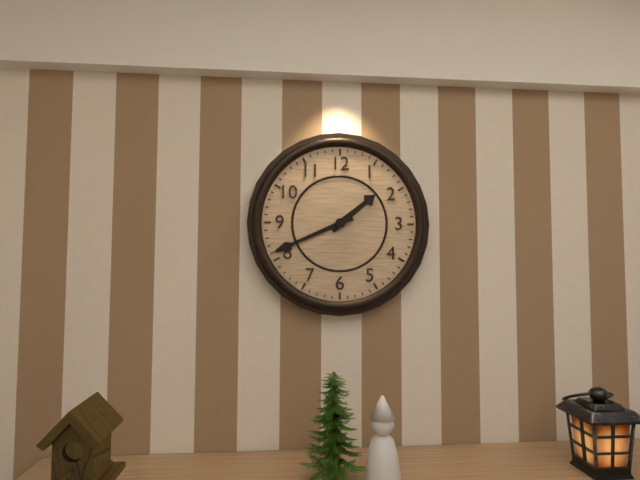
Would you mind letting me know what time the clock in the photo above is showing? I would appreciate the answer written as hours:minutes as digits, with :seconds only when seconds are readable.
1:41
